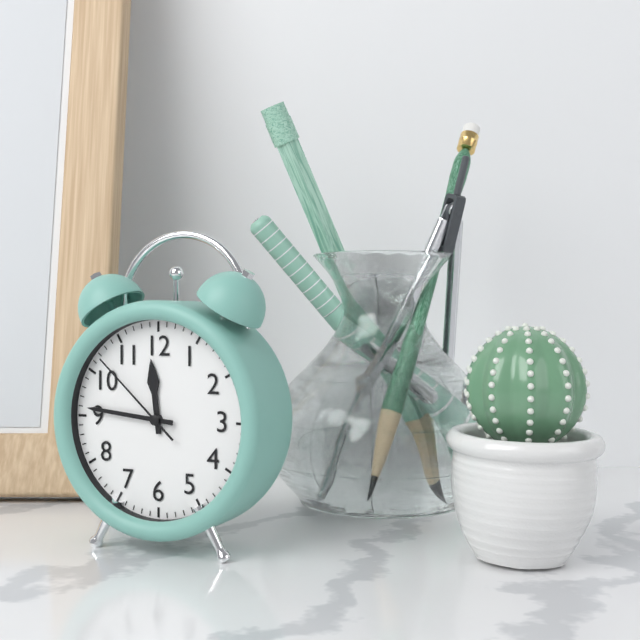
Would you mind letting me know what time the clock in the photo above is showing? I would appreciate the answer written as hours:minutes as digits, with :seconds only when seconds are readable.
11:46:52
